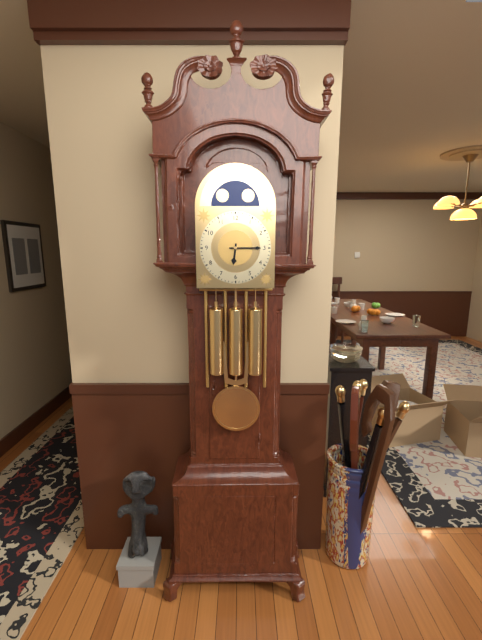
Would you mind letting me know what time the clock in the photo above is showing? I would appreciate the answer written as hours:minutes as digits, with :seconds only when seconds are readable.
6:15
